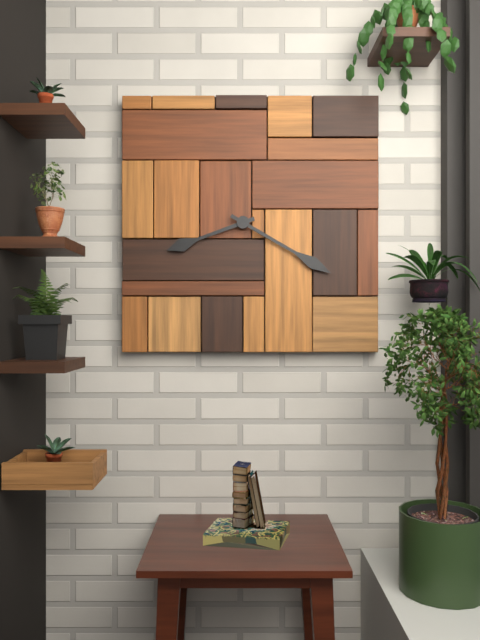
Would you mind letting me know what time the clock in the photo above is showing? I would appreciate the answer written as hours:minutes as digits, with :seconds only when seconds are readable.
8:20
